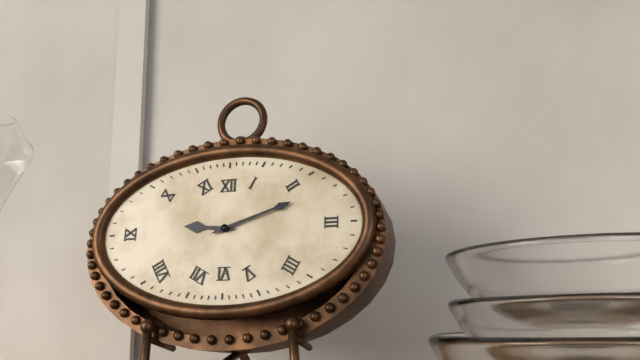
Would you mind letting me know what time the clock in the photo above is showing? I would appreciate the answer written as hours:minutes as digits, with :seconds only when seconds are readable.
9:12
